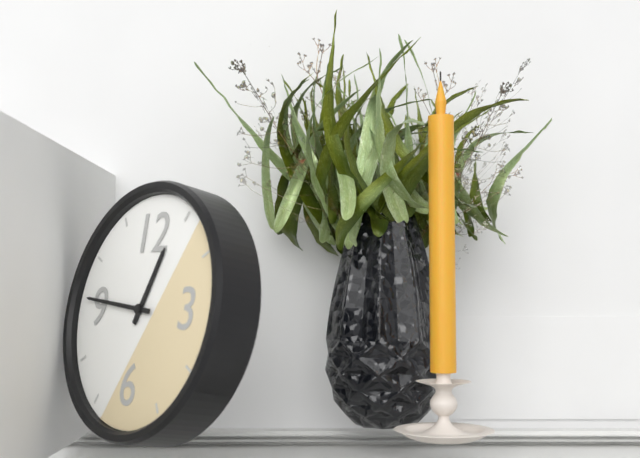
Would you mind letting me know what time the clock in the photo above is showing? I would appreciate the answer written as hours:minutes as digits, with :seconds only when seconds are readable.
12:46
